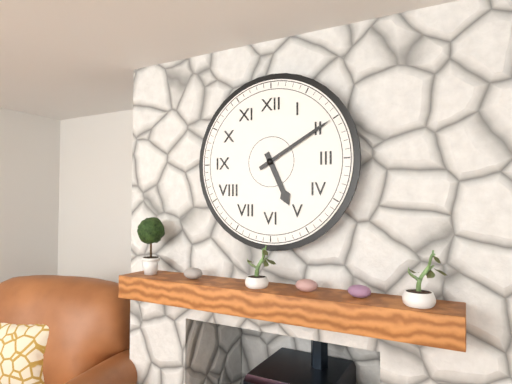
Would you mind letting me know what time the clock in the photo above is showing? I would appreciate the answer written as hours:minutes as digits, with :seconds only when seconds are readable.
5:10
